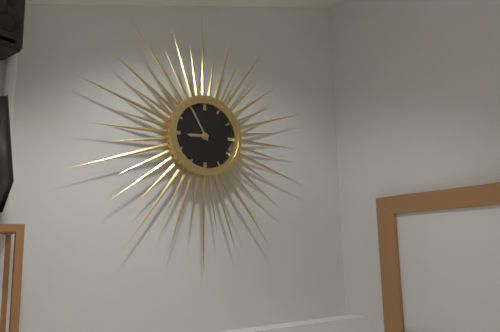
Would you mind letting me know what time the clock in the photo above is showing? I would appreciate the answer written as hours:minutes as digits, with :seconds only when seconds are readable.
8:55
